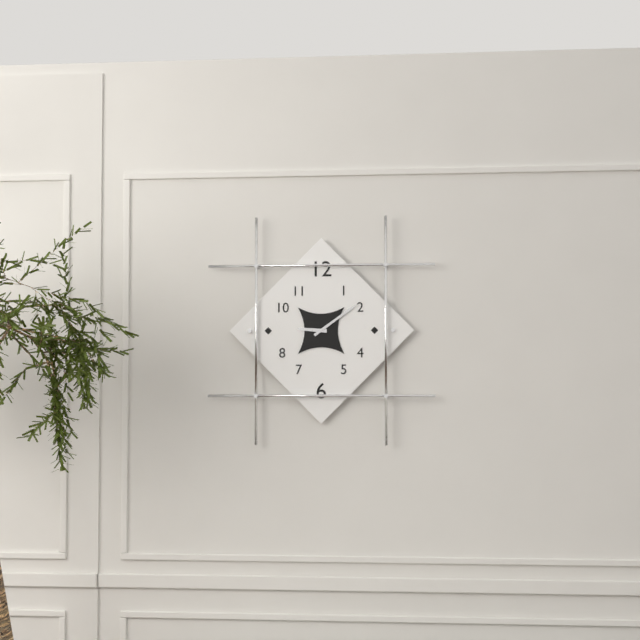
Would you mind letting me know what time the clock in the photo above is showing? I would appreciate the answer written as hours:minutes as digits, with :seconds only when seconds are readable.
9:09
